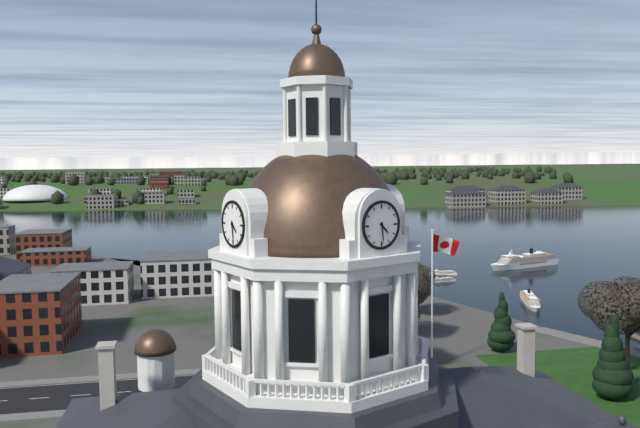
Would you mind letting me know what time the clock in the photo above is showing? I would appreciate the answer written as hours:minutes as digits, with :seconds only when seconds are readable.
4:29
